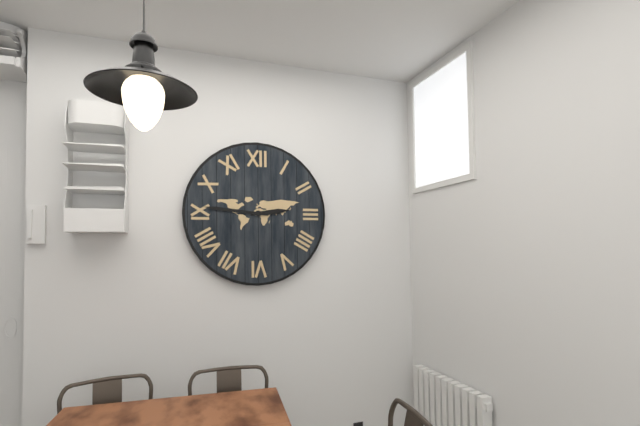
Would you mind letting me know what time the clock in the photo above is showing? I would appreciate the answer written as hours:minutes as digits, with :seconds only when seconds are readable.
2:46
